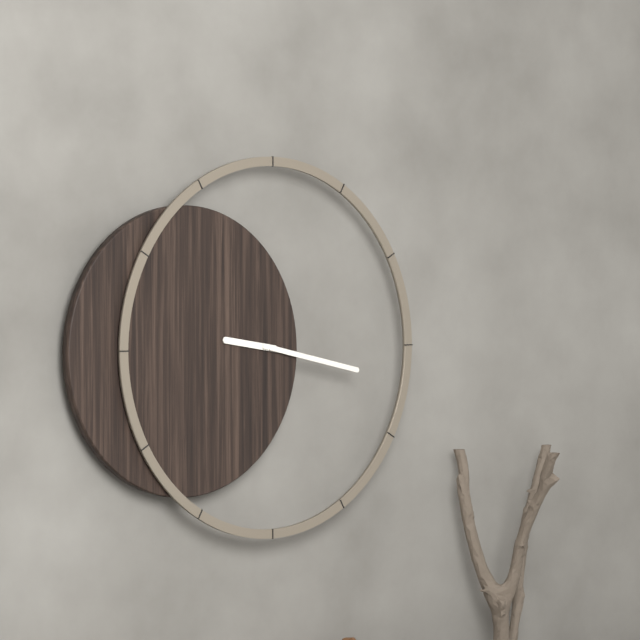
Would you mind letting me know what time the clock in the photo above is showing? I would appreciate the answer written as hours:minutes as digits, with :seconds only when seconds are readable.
9:17
